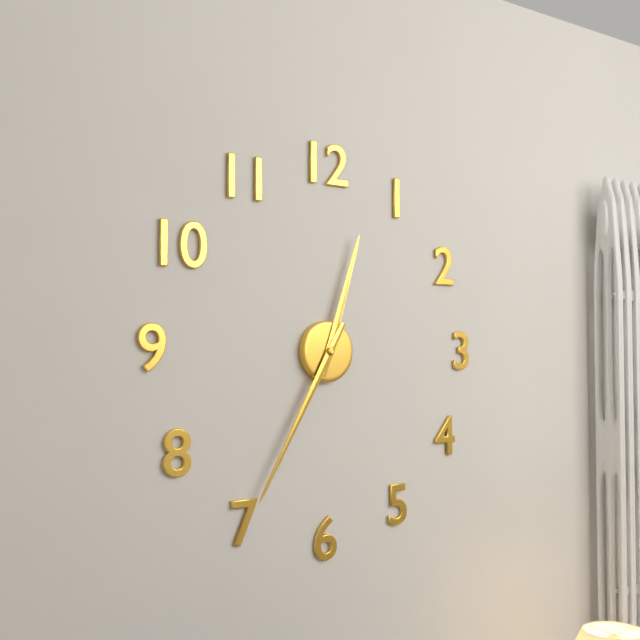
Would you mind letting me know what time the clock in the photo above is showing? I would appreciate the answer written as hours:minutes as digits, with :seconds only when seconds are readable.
12:35
